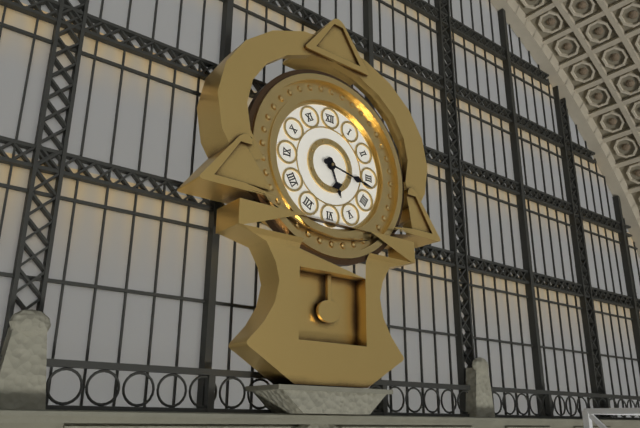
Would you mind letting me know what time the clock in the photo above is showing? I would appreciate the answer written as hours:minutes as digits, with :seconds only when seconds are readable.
5:17
